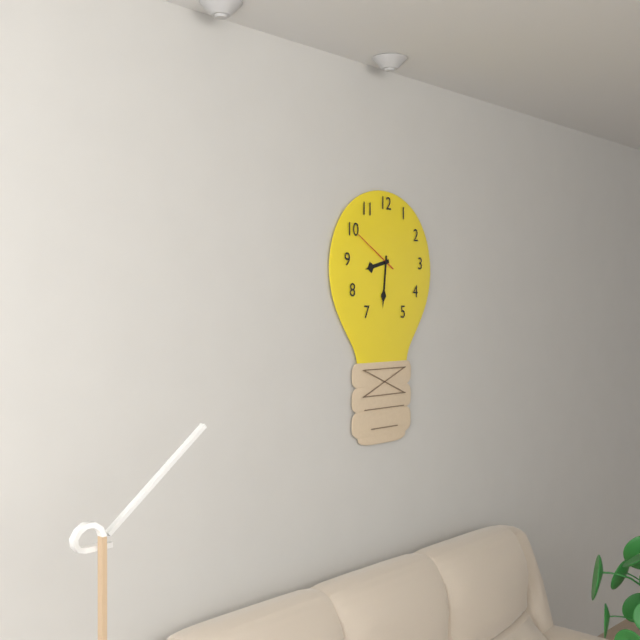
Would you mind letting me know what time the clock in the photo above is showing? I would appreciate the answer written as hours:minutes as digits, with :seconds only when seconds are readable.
8:31
